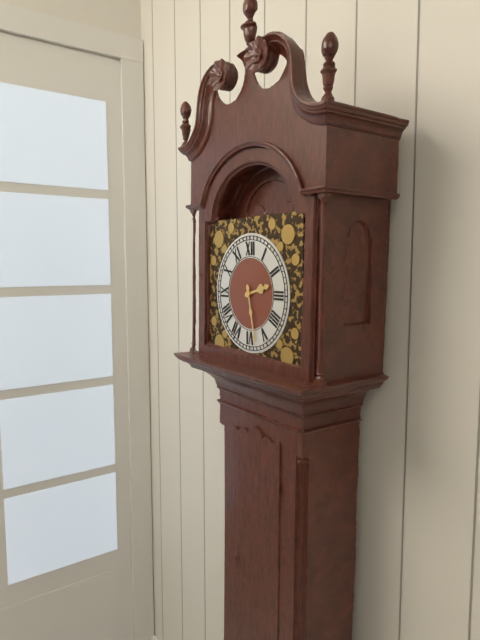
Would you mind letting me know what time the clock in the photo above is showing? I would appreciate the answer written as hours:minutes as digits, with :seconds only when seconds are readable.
2:28
